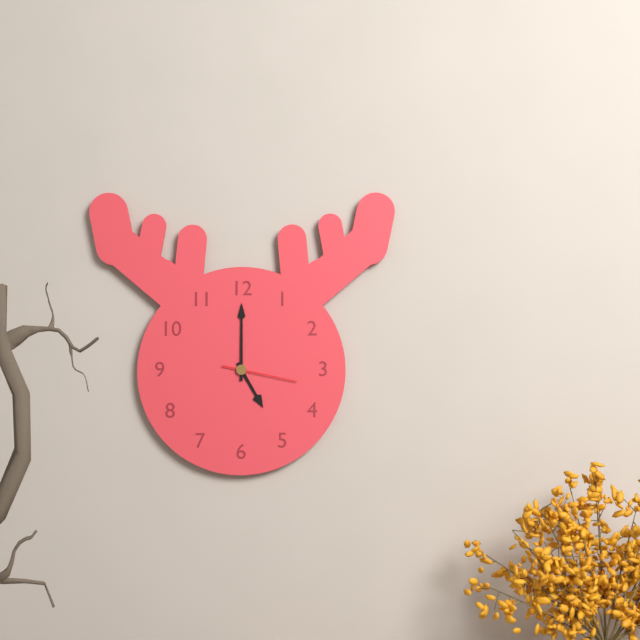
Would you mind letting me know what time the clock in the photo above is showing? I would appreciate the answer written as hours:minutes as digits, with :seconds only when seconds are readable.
5:00:17
